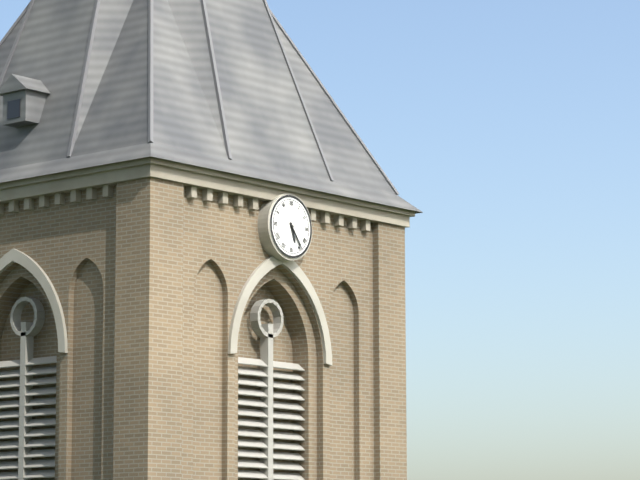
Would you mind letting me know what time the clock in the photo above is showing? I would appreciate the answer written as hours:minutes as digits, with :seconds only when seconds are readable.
5:24
